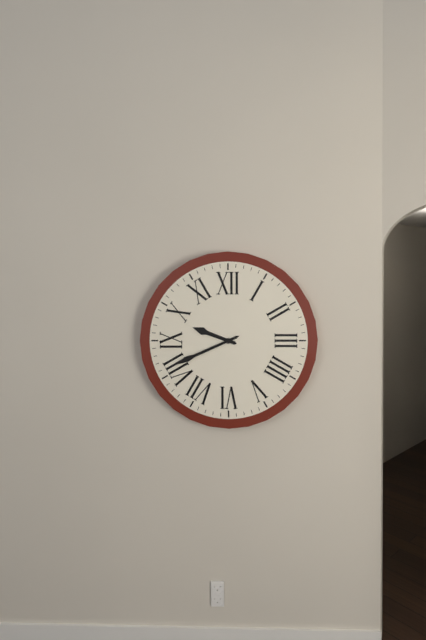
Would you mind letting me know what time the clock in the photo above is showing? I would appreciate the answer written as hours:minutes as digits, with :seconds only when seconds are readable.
9:41
